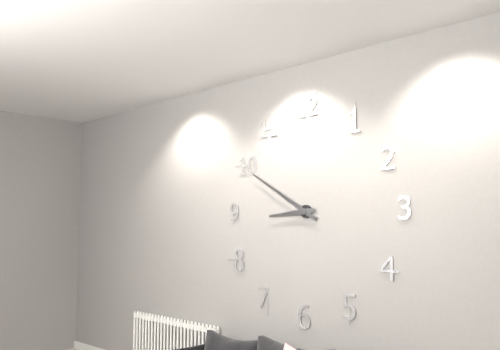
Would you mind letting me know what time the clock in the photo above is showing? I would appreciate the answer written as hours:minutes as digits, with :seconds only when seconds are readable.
8:50
